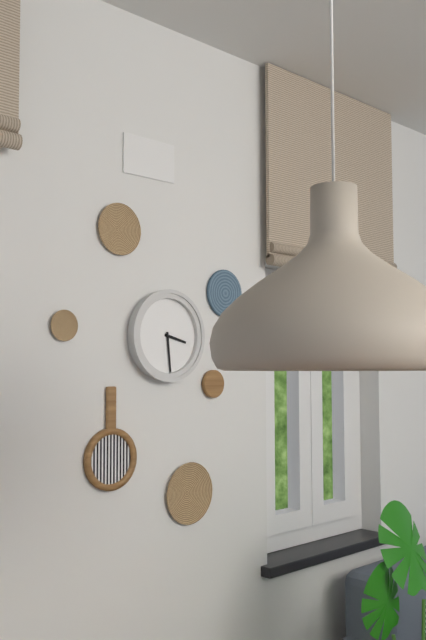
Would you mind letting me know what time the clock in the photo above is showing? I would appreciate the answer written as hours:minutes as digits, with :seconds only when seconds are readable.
3:29
